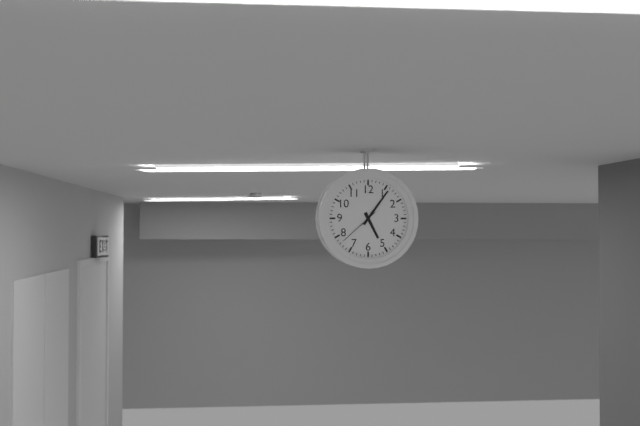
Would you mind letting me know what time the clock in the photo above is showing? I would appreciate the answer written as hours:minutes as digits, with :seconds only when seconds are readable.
5:06
